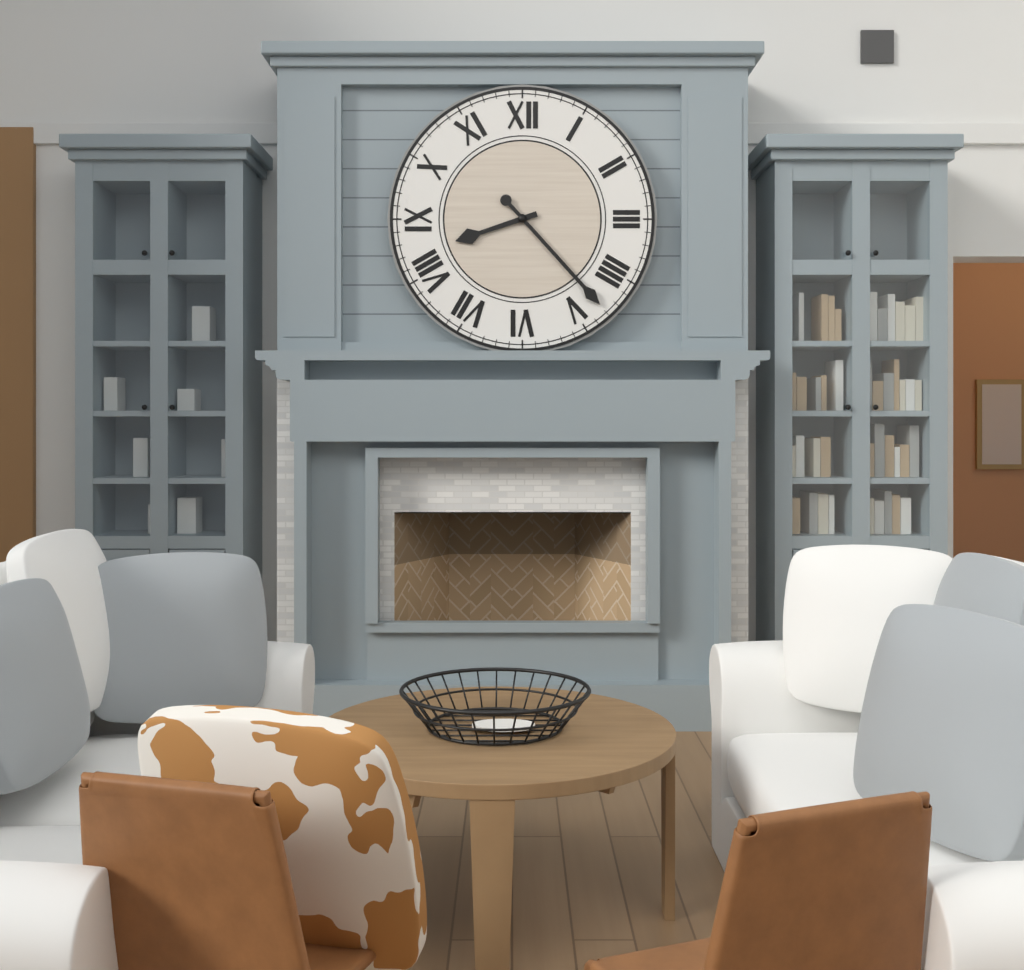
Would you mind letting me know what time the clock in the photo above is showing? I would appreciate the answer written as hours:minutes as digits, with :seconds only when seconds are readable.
8:23
